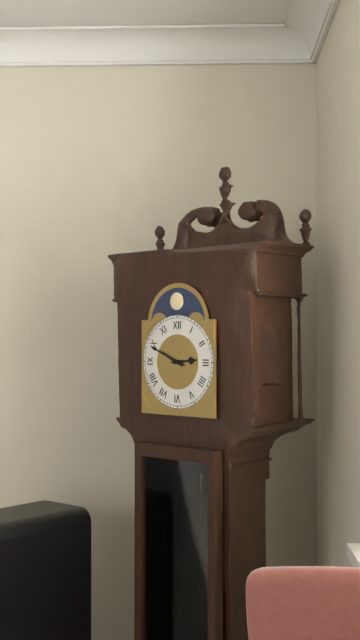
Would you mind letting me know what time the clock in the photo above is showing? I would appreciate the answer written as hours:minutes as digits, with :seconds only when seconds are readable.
2:49
